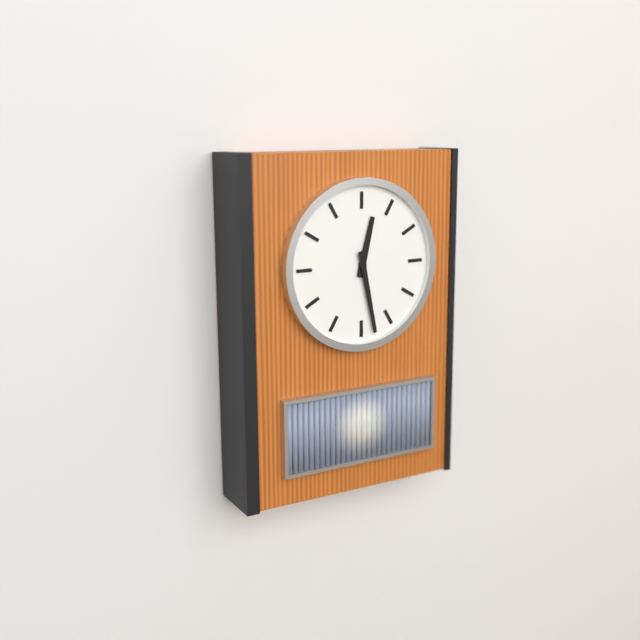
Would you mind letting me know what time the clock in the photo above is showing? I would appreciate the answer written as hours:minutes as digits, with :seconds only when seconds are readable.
12:28
